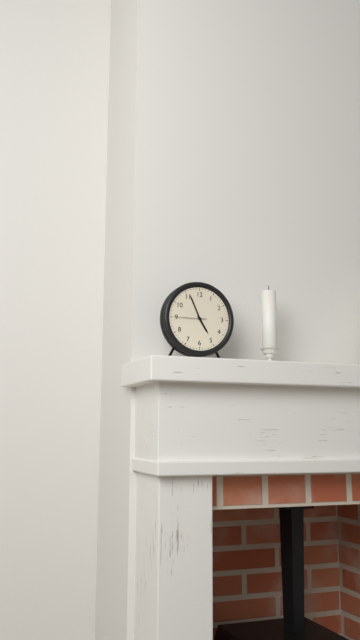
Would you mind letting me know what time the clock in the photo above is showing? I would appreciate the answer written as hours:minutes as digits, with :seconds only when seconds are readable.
4:56
